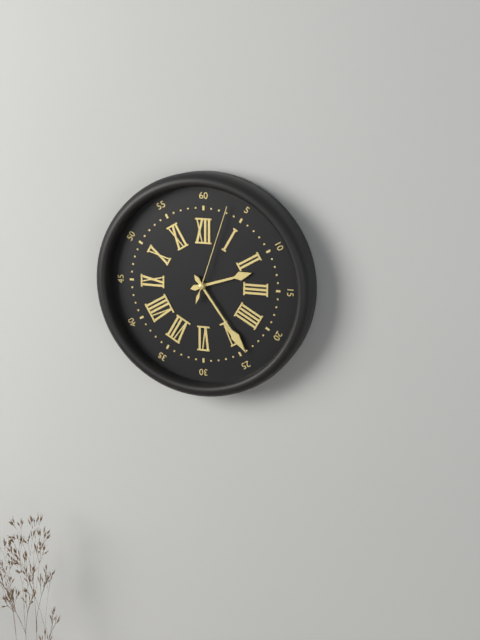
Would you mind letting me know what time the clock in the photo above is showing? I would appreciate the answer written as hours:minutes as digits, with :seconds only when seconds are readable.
2:24:03
